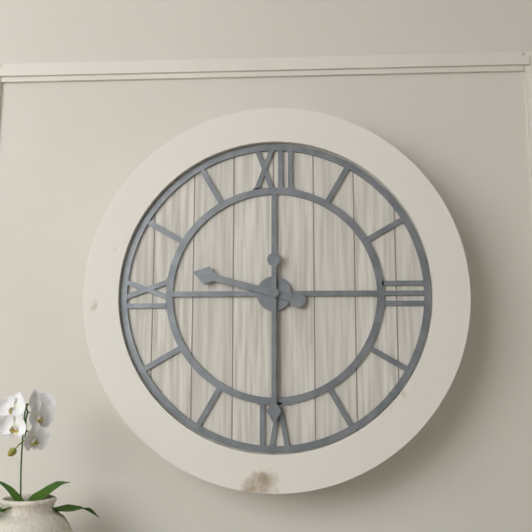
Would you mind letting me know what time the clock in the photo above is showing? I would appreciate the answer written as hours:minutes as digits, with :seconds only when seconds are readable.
9:30
